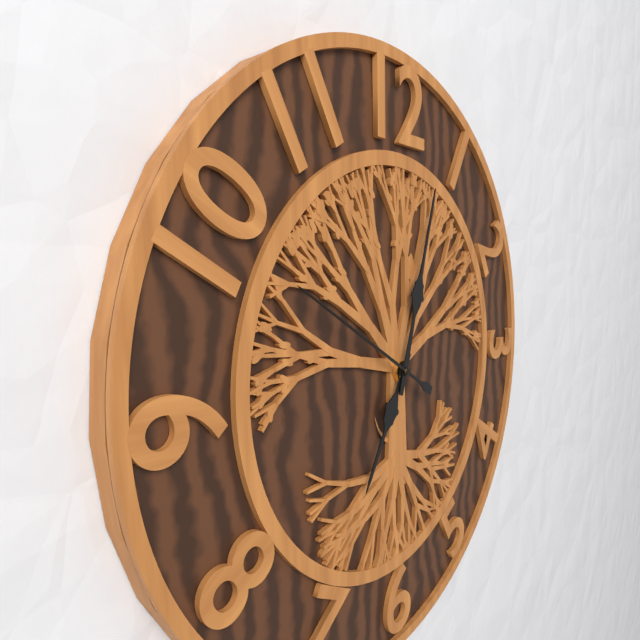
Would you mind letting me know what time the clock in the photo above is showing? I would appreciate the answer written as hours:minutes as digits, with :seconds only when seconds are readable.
7:03:50
